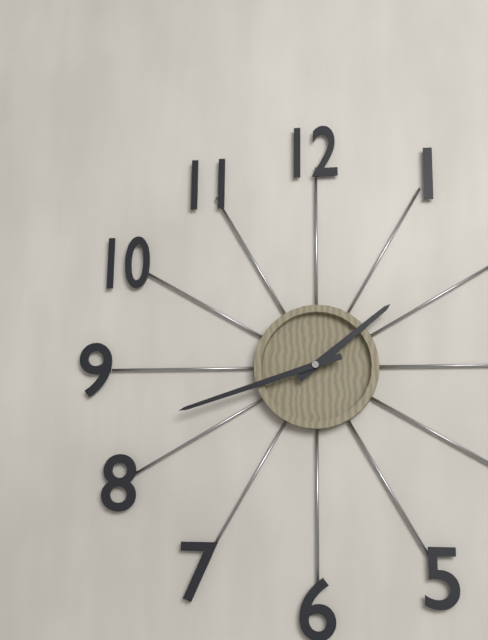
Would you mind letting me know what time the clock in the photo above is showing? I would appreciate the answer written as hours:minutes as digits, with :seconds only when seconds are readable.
1:42
